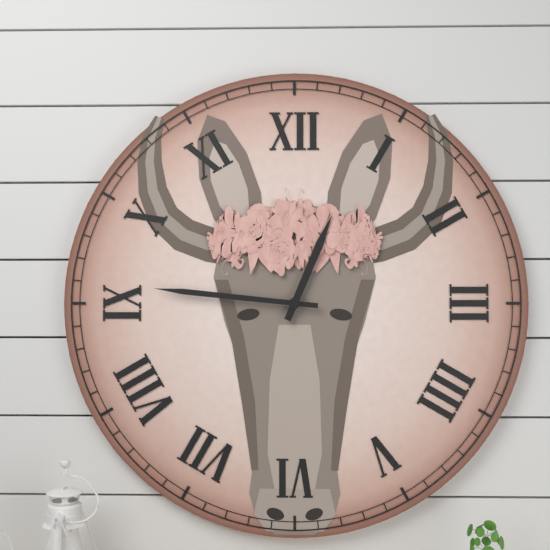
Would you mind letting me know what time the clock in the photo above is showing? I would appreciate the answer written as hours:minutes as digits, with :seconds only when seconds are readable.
12:46
